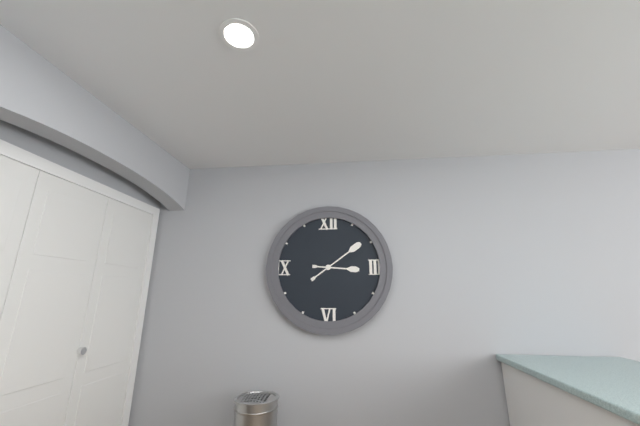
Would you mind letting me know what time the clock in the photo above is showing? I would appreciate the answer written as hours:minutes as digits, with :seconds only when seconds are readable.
3:09
